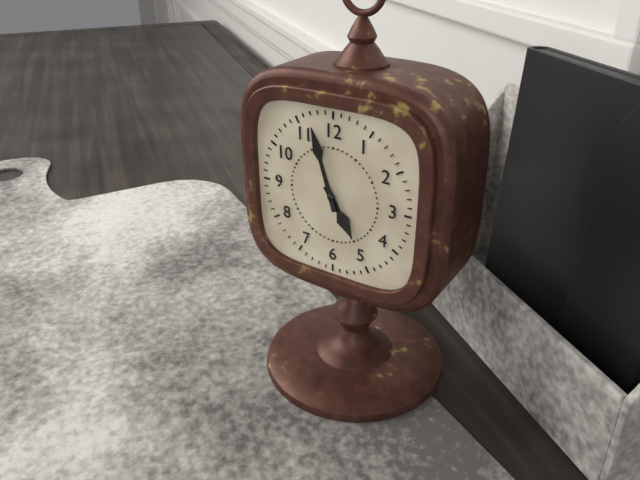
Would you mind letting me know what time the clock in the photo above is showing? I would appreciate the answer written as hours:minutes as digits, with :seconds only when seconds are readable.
4:57
